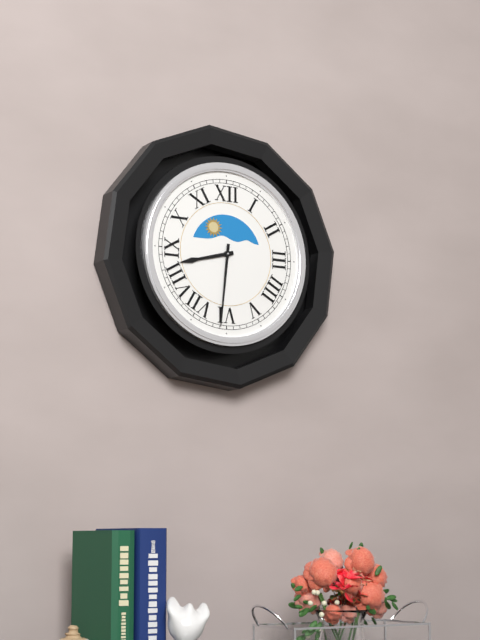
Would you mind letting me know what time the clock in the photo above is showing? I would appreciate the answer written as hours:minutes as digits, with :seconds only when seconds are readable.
8:31
